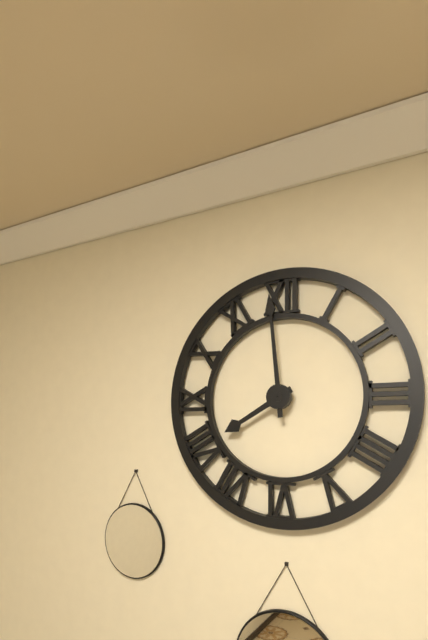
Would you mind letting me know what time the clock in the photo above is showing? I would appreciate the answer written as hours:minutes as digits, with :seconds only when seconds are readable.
7:59
